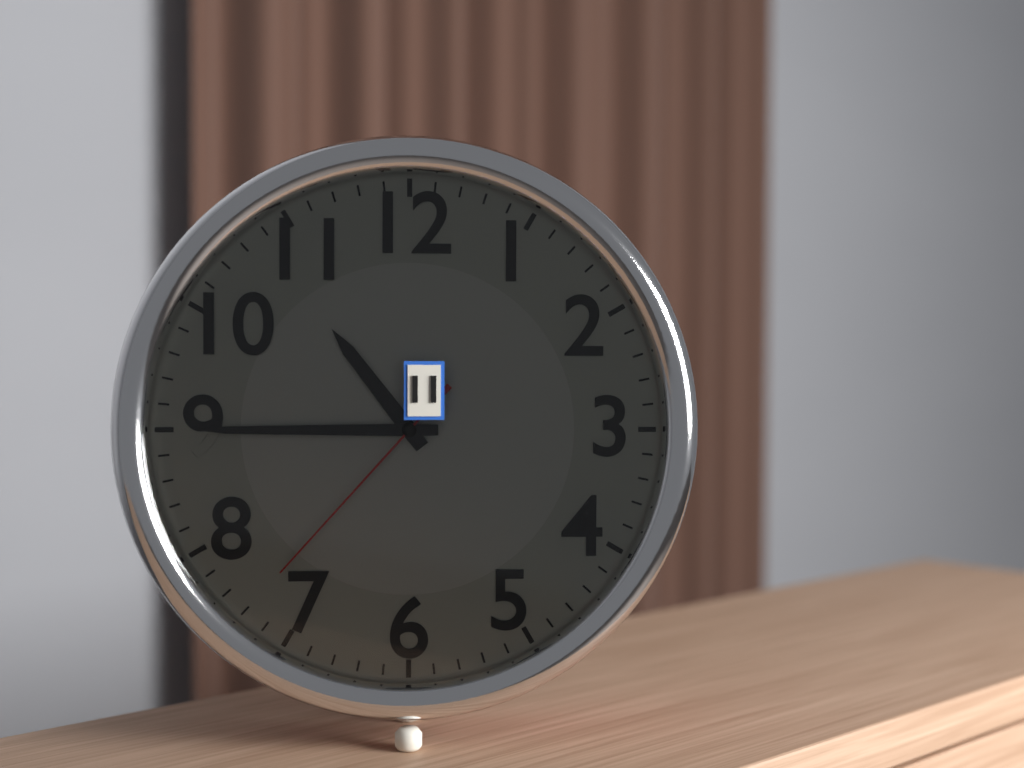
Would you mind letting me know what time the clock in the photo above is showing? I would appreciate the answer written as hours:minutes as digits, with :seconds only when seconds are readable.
10:45:37
